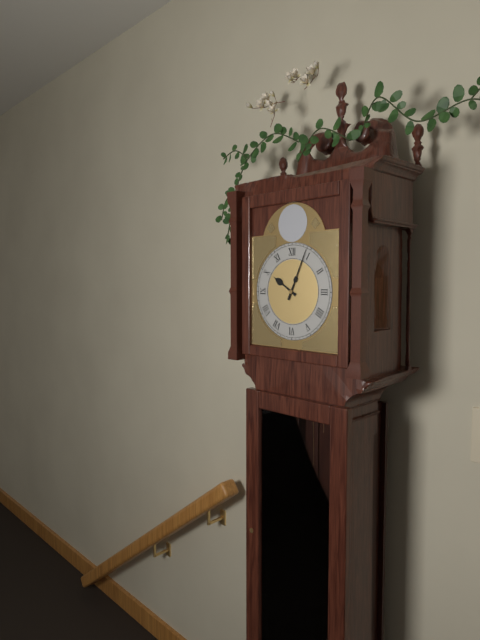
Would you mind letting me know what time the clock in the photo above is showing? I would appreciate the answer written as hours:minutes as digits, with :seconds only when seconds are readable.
10:04
